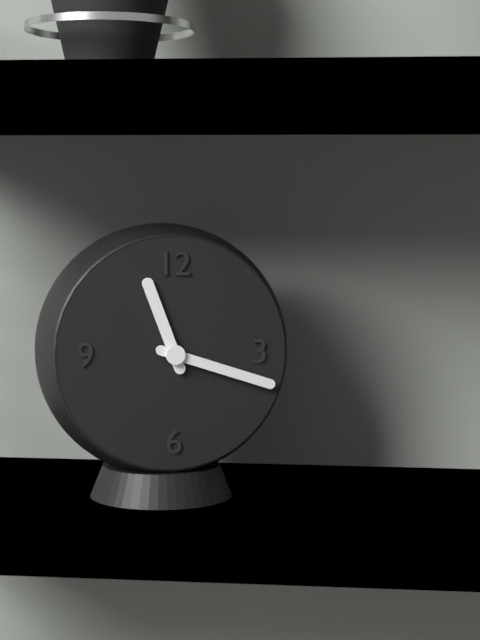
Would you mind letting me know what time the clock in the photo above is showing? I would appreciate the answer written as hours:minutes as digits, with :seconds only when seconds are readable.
11:18
